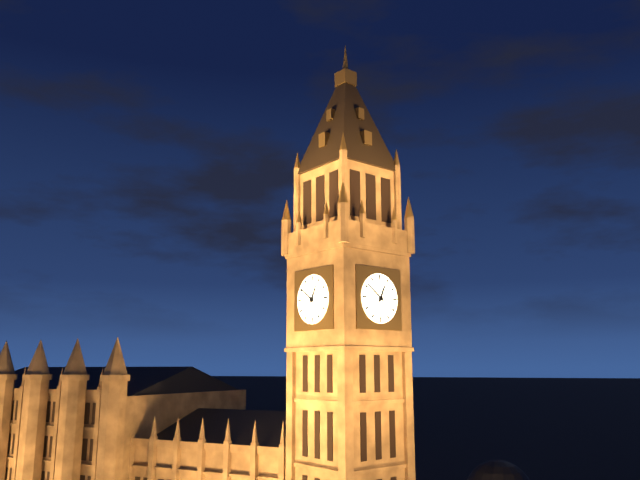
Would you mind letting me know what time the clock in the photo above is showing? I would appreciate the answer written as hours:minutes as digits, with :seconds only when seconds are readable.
12:51
